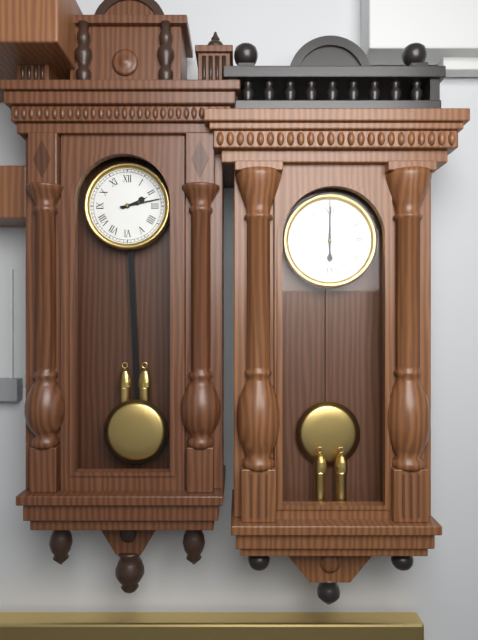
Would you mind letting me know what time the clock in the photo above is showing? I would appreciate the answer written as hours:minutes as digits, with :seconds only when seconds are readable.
2:13
